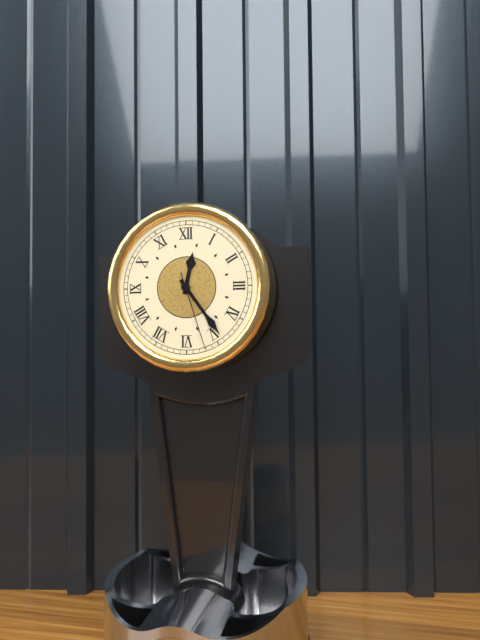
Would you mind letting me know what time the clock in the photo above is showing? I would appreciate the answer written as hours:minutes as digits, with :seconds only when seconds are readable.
12:24:27
